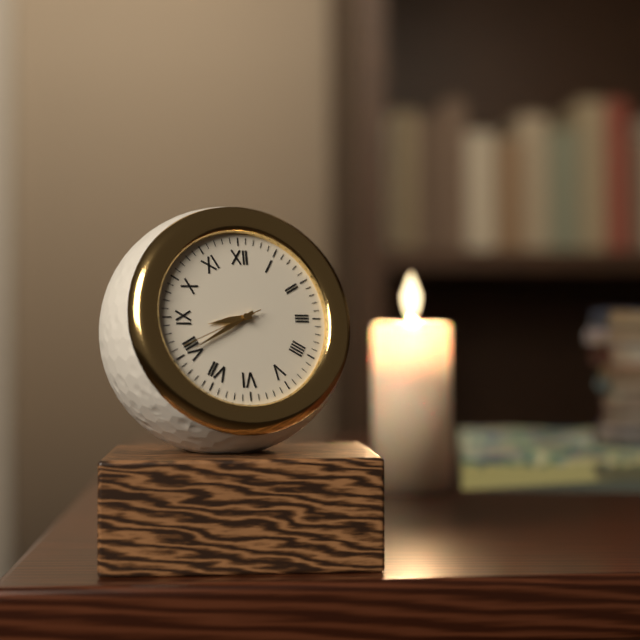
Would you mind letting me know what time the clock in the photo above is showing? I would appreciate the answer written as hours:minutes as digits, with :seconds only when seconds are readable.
8:40:41
